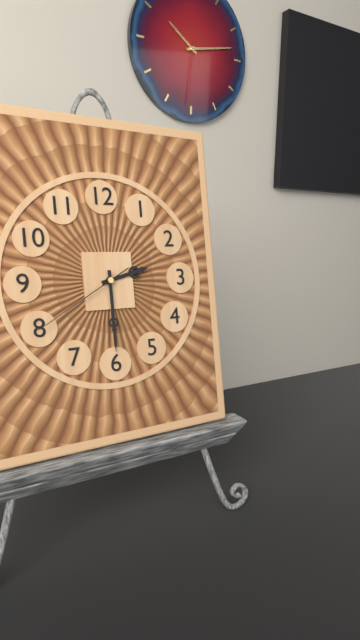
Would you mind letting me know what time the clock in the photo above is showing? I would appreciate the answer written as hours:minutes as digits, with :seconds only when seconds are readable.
2:30:40
